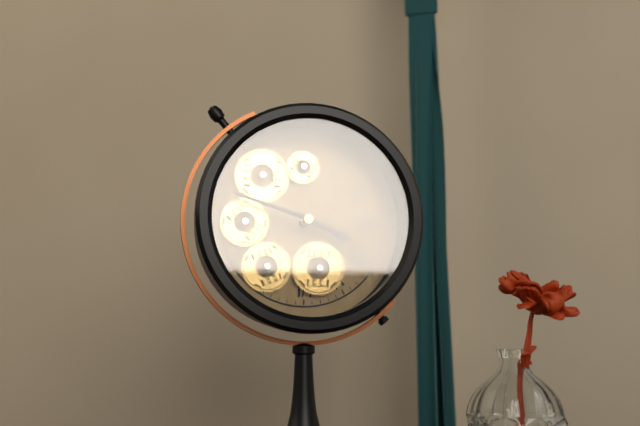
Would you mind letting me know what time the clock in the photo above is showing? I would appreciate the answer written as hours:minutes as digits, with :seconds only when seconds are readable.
3:48
